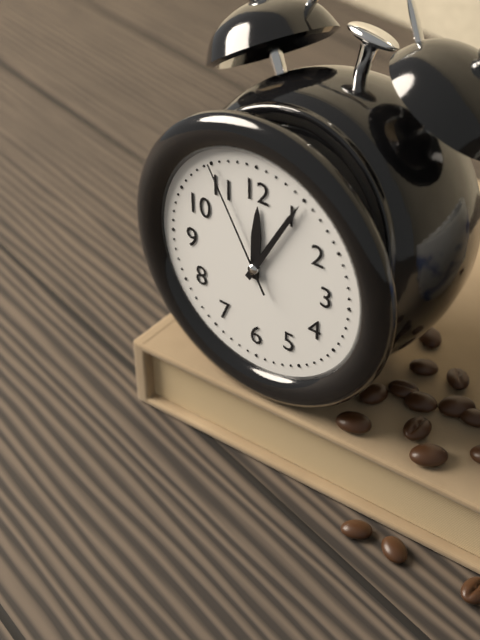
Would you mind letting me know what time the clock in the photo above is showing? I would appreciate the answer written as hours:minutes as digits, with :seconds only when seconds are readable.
12:05:55
